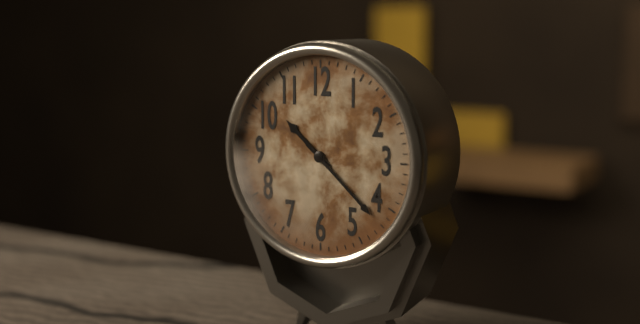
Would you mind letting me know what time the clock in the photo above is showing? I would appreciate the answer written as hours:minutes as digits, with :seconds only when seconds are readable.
10:22
